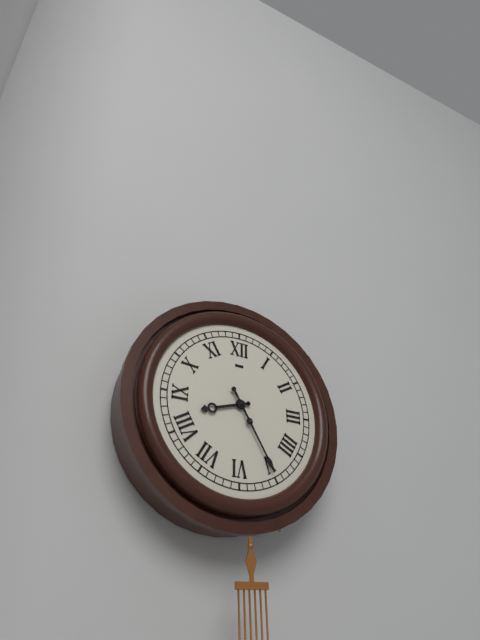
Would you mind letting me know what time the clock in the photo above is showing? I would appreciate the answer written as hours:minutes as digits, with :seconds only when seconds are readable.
8:25
